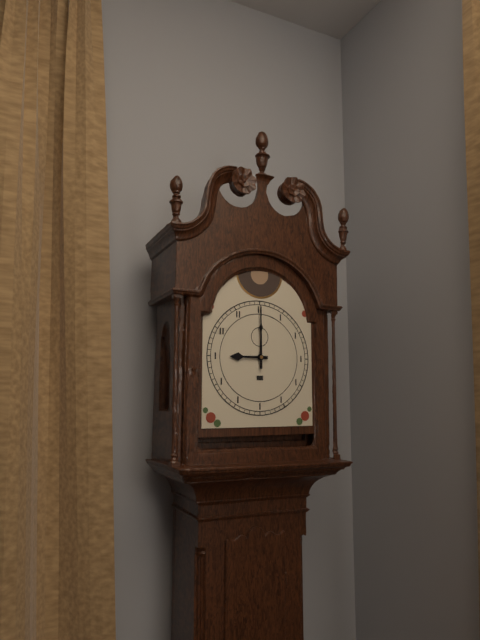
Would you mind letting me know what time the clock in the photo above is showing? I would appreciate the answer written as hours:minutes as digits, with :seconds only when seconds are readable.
9:00
